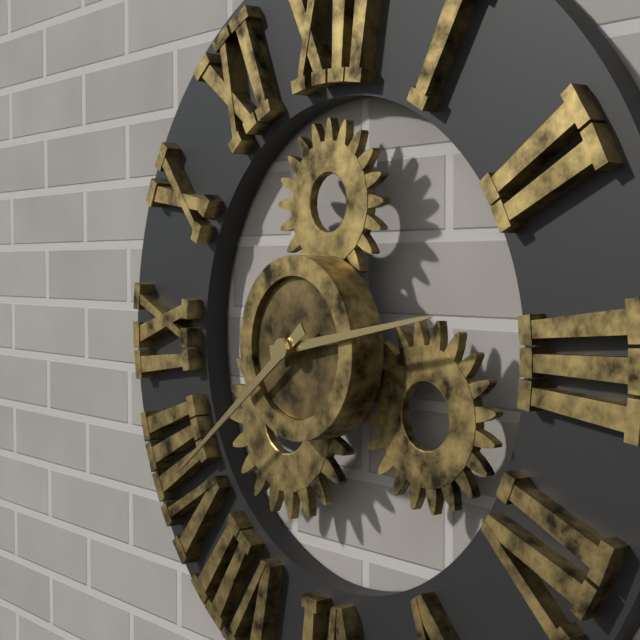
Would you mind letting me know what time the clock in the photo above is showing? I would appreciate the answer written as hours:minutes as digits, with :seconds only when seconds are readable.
2:39
